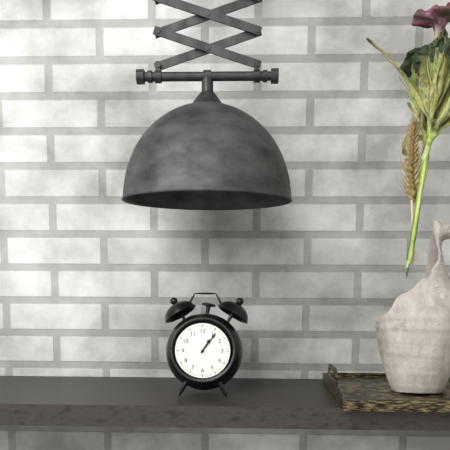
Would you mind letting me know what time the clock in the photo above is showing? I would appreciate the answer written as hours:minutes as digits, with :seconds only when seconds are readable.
1:06
